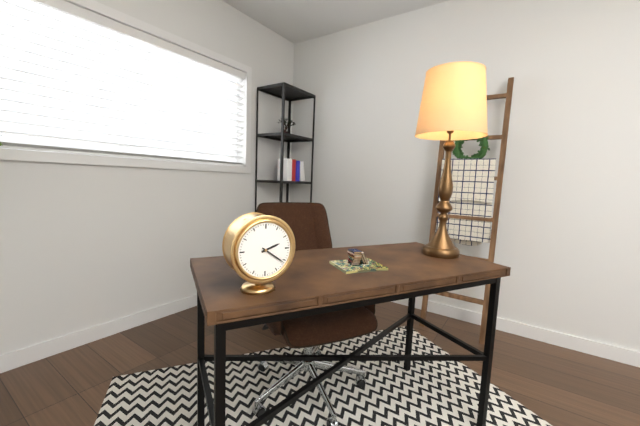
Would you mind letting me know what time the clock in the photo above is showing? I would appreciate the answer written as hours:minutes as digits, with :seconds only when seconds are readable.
2:21
